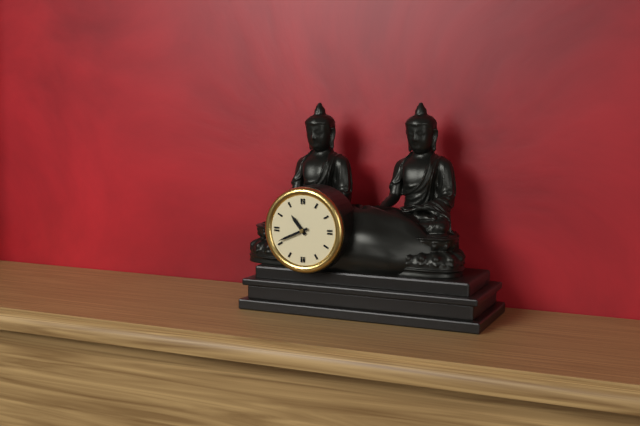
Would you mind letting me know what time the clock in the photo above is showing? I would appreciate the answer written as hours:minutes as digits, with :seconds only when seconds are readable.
10:41
